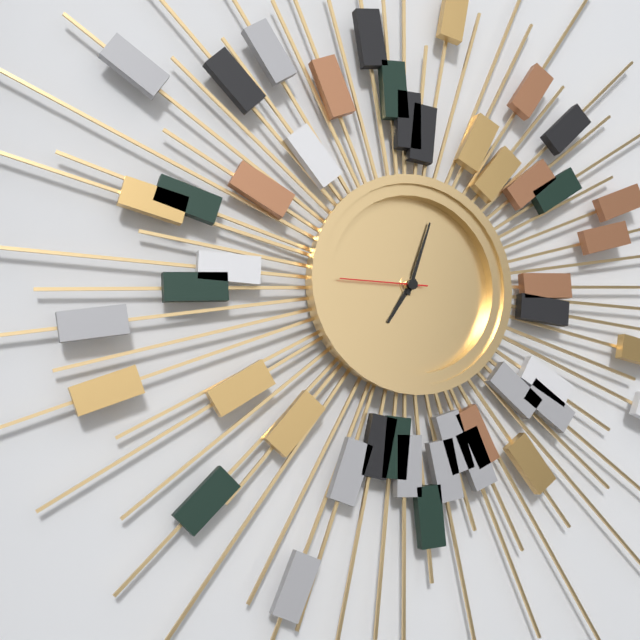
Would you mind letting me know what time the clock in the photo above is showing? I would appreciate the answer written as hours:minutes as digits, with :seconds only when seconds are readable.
7:03:45
